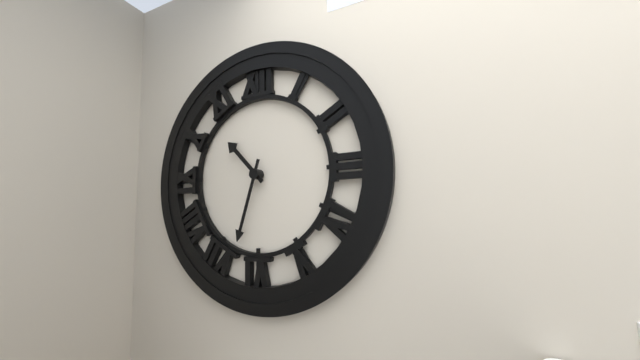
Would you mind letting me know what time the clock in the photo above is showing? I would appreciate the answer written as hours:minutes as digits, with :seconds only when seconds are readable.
10:33
